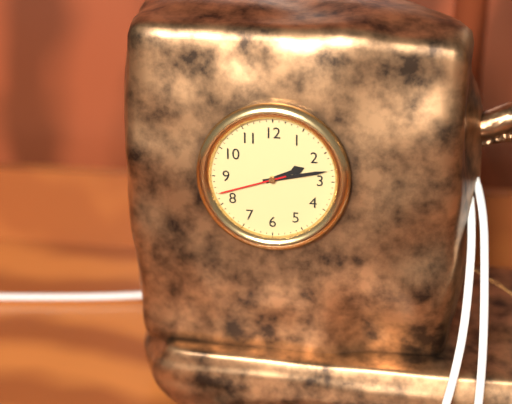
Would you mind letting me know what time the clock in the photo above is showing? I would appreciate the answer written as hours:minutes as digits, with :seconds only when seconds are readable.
2:13:42
